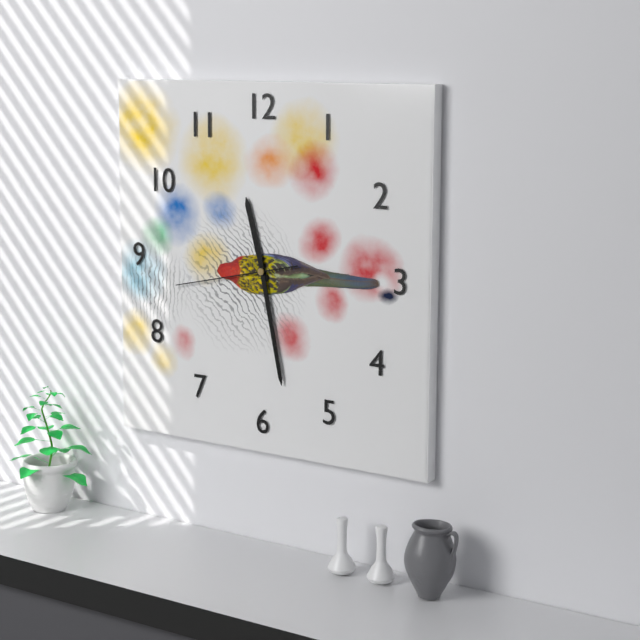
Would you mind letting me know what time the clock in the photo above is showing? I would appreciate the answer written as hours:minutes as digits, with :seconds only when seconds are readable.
11:28:43
